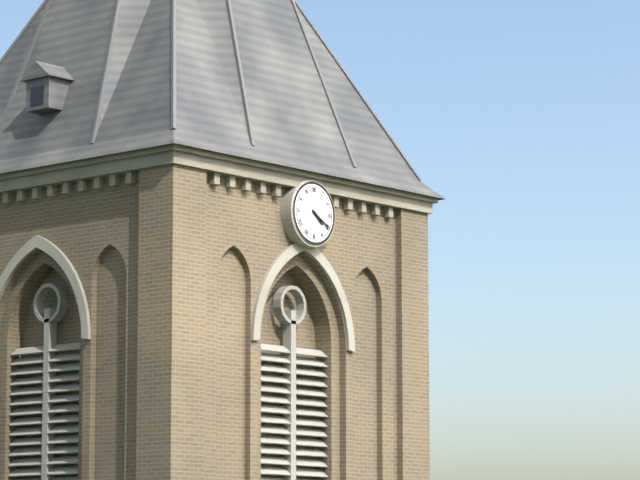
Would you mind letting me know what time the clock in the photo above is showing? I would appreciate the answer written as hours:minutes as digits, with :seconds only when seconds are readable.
4:20
